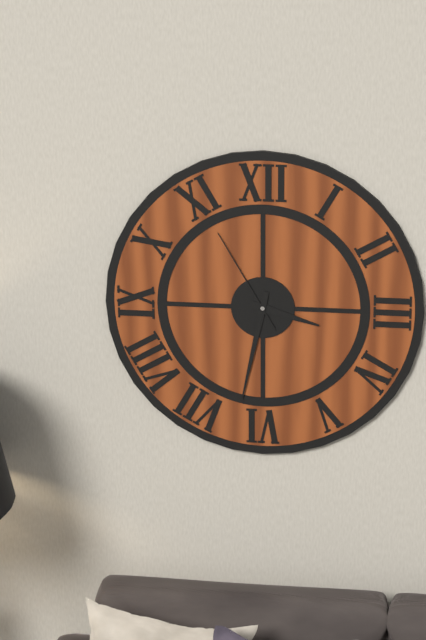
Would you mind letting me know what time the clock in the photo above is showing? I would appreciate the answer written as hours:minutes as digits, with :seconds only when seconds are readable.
3:32:55
